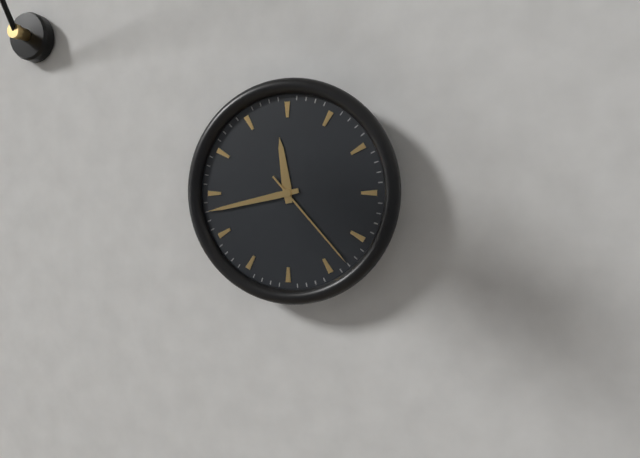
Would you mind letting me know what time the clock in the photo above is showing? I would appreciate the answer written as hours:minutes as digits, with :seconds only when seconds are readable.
11:43:23
